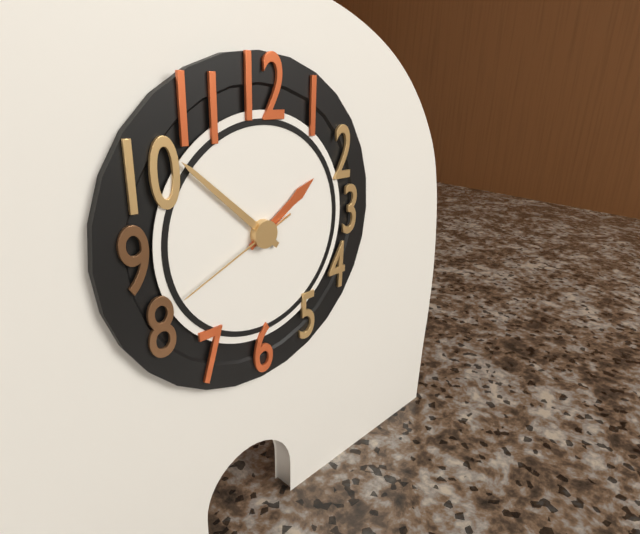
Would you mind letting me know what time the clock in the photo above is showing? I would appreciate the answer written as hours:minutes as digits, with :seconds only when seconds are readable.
1:52:41
